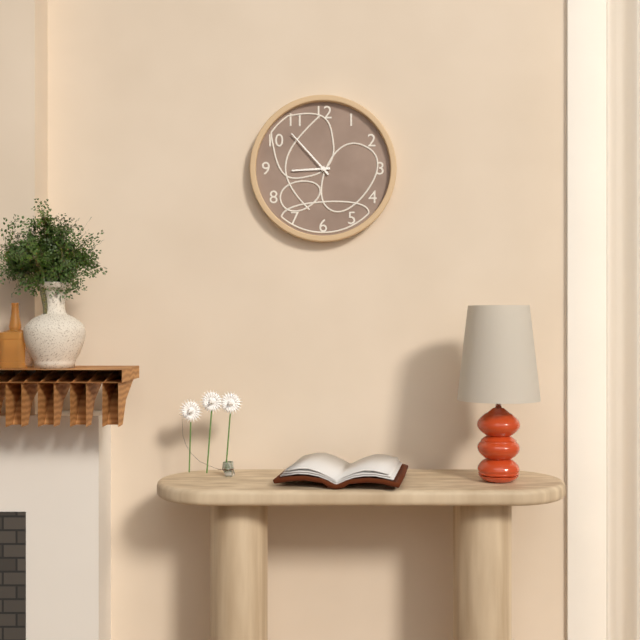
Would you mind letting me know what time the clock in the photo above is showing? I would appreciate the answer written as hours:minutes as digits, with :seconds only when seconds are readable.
8:53
